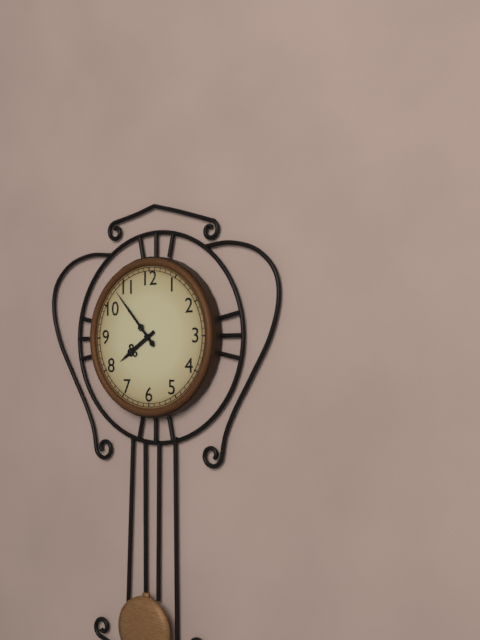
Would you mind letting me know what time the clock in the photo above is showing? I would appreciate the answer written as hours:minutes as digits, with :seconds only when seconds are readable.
7:53
